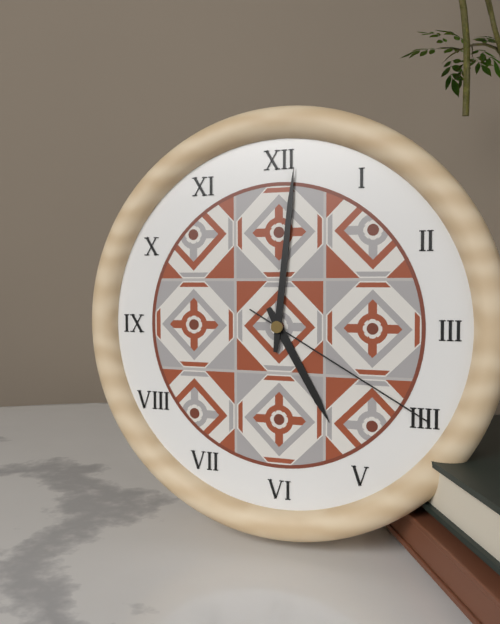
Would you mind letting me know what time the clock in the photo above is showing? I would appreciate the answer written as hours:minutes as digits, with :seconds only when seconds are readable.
5:01:20
